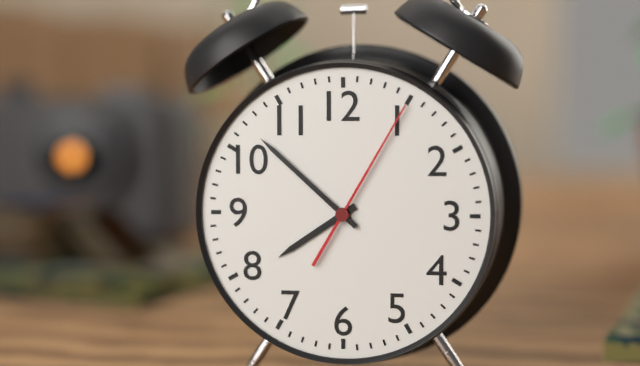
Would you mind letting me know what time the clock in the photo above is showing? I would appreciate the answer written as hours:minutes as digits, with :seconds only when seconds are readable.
7:52:05
